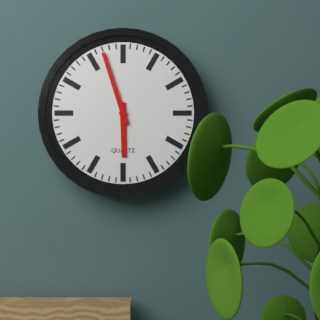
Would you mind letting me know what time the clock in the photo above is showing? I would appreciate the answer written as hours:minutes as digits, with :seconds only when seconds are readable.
5:57
